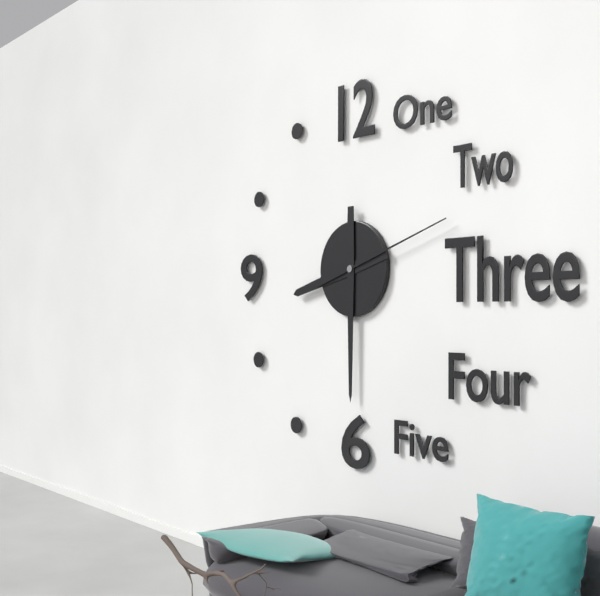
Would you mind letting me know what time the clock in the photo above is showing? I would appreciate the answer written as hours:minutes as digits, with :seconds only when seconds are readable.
8:30:12
